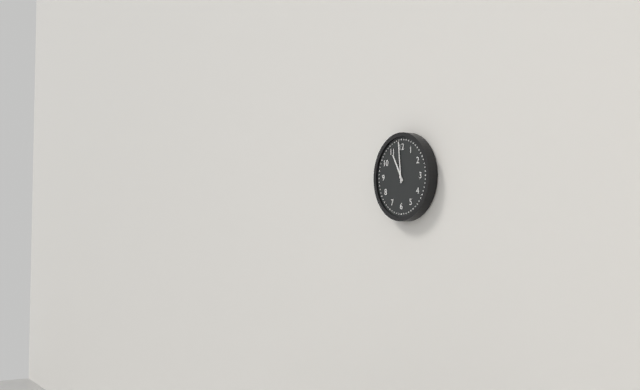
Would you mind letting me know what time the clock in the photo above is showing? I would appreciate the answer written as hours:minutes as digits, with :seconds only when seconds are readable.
10:59
